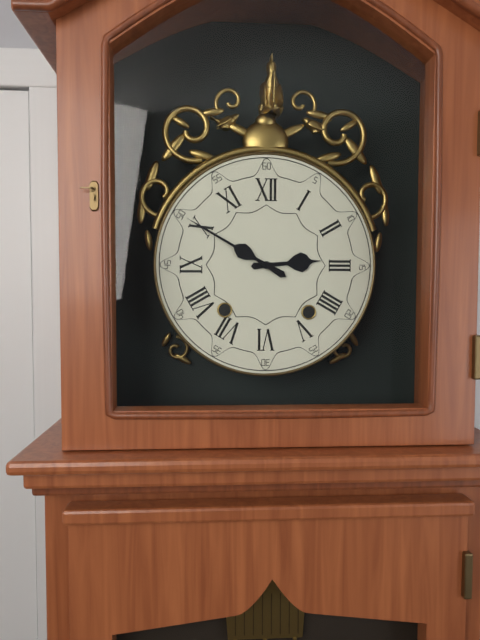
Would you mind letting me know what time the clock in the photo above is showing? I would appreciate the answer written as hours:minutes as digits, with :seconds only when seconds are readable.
2:50
